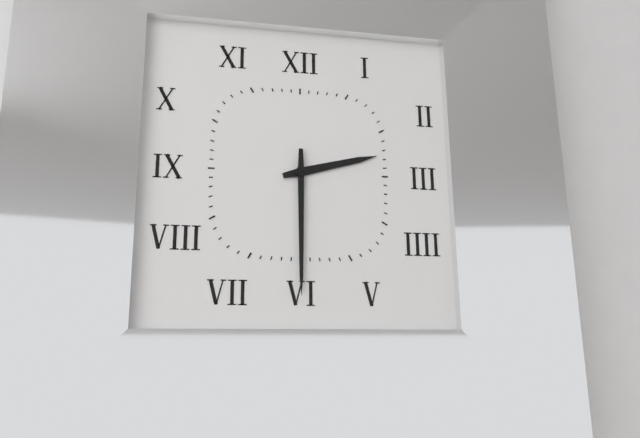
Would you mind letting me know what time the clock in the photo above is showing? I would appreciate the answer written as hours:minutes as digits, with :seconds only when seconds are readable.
2:30
